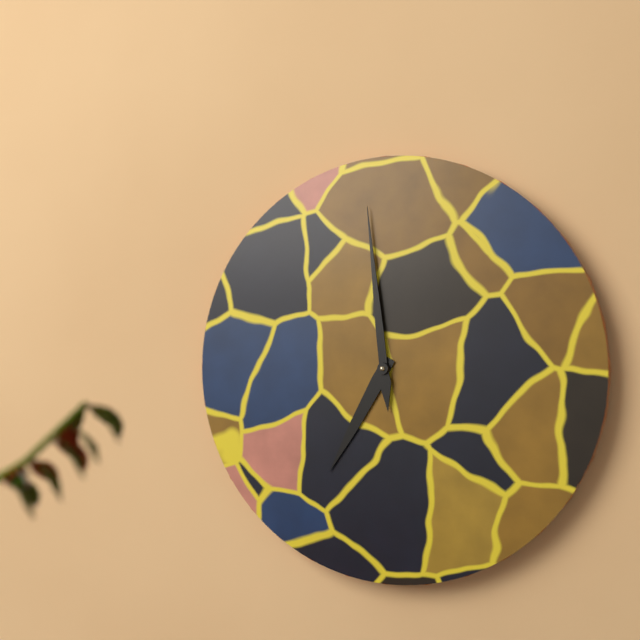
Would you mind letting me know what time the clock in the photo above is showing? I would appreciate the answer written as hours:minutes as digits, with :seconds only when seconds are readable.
6:59
